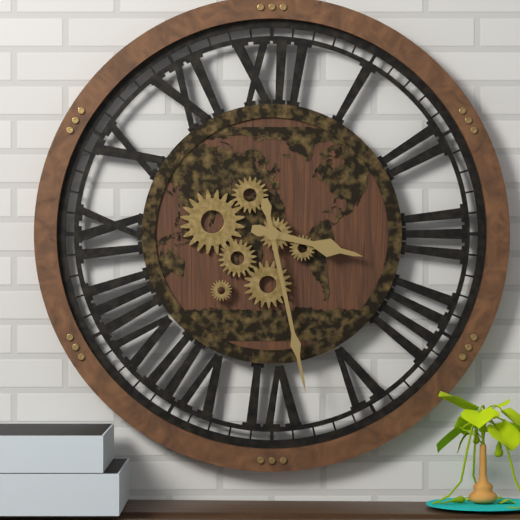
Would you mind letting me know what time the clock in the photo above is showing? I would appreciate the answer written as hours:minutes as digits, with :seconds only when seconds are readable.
3:28
